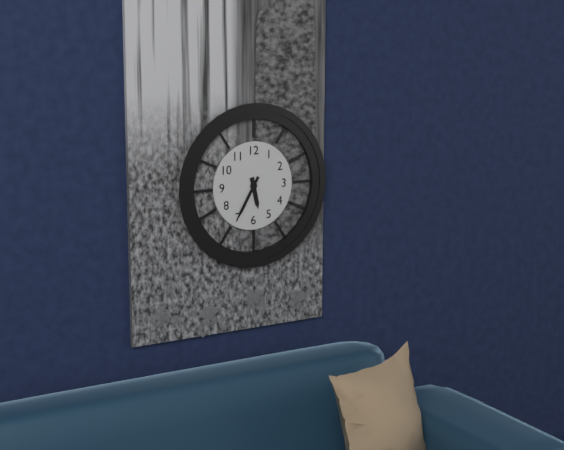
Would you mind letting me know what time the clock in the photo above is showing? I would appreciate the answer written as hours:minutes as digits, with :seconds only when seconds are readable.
5:35
